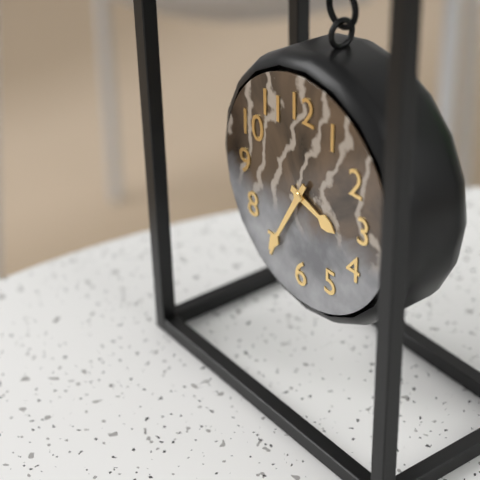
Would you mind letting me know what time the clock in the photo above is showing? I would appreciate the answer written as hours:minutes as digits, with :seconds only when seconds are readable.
3:35
